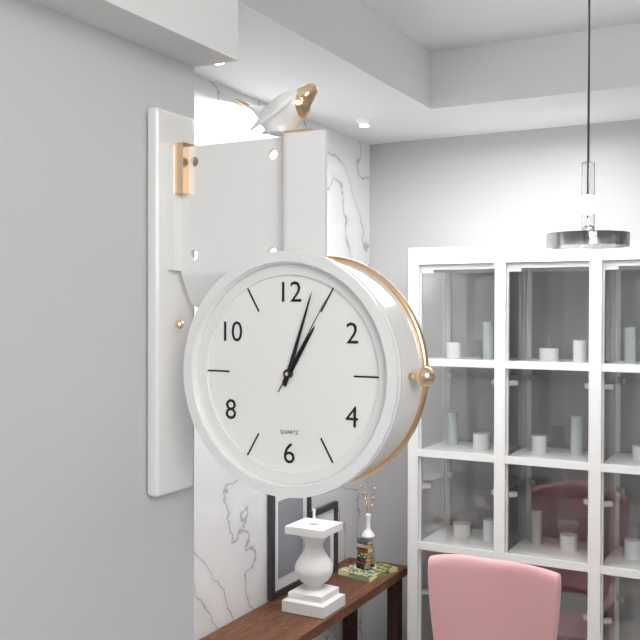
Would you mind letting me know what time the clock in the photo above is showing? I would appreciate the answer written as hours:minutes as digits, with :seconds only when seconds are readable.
1:03:05
